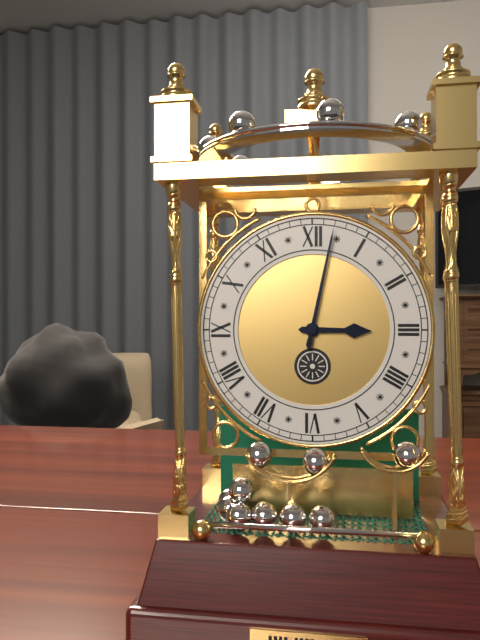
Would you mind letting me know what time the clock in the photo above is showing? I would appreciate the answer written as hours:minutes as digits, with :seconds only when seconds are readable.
3:02
